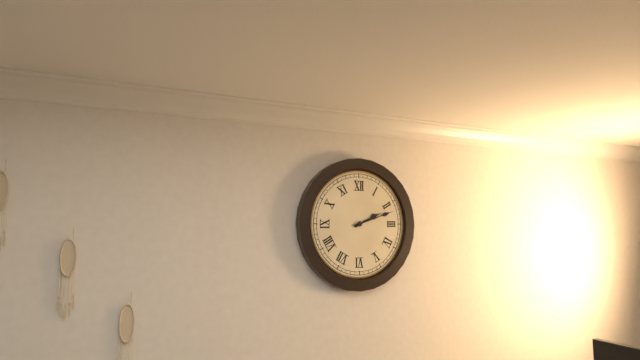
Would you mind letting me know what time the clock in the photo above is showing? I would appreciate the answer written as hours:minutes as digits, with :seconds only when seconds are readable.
2:12
